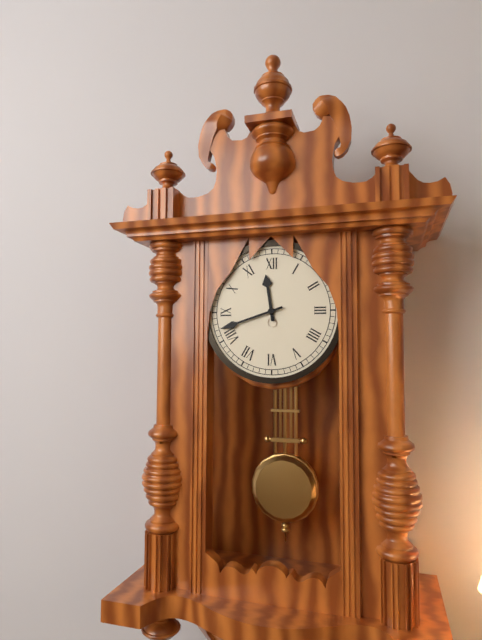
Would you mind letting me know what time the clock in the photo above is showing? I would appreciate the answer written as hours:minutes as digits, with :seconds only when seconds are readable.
11:42
